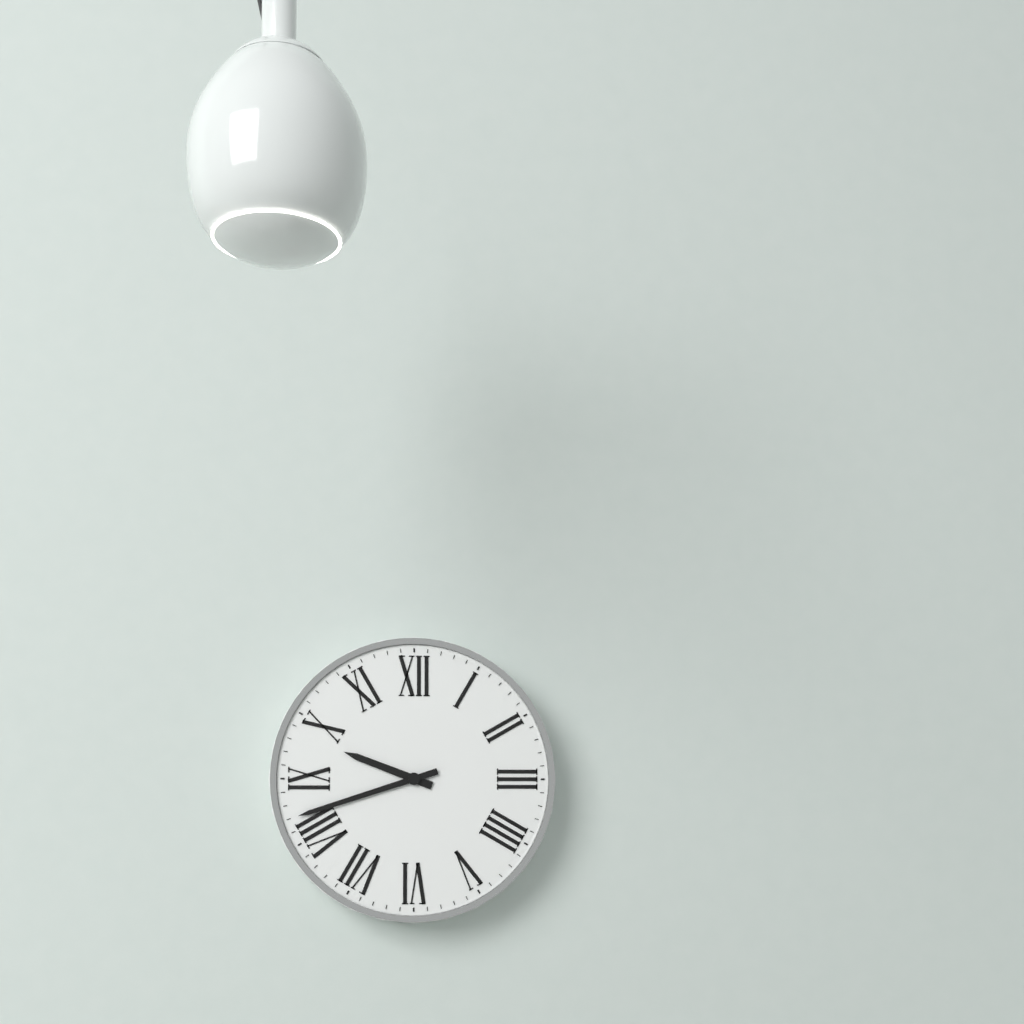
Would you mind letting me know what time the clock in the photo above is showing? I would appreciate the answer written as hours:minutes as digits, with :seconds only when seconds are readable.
9:42
